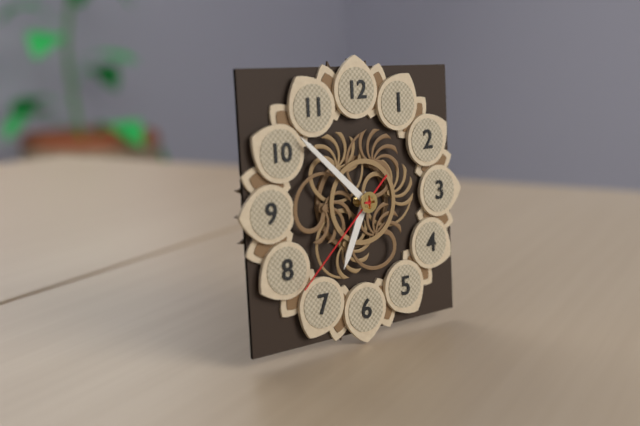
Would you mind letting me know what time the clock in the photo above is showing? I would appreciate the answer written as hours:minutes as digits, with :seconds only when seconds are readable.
6:52:38
